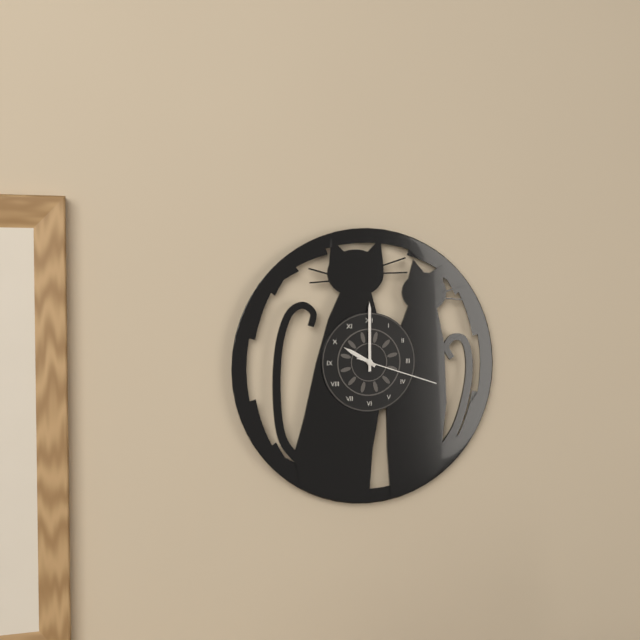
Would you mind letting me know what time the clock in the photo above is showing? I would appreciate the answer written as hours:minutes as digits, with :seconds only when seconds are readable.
10:00:18
